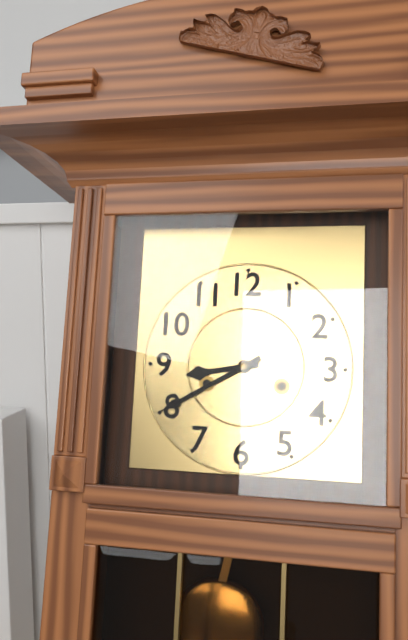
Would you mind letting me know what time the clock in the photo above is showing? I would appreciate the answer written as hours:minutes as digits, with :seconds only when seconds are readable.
8:40
